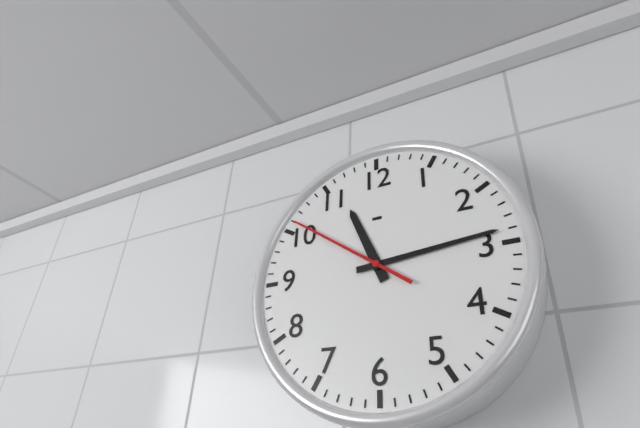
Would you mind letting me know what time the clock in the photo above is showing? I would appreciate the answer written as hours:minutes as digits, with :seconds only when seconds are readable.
11:14:51
